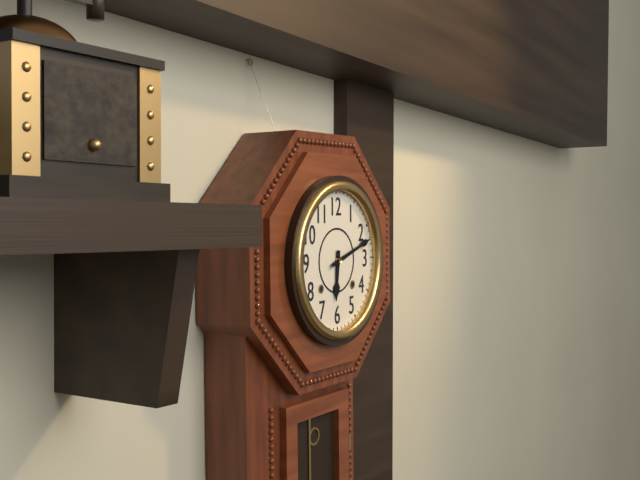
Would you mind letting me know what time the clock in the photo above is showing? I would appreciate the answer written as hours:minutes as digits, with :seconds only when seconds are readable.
6:12
